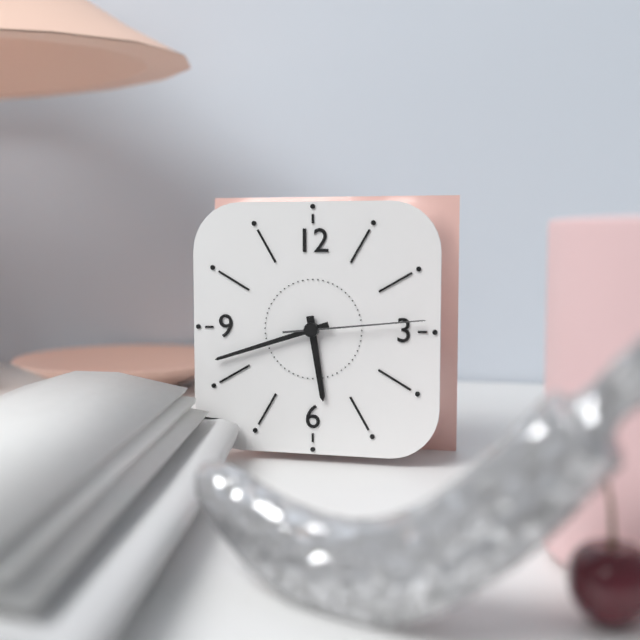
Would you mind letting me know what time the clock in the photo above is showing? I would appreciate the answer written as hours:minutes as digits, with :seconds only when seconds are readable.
5:42:14
